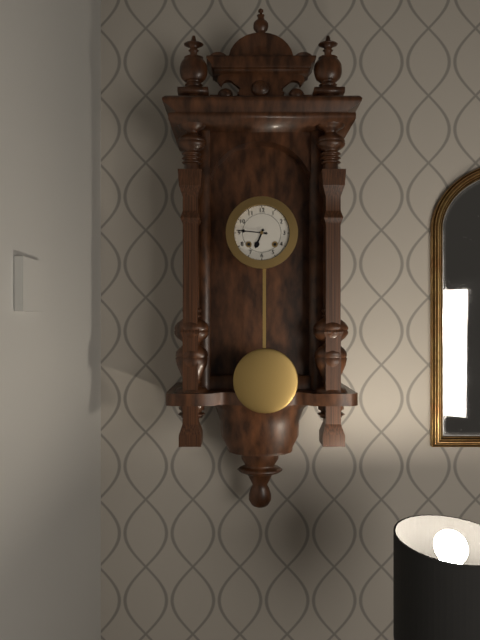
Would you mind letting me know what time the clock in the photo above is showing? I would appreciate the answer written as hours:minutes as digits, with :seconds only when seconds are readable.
6:46
